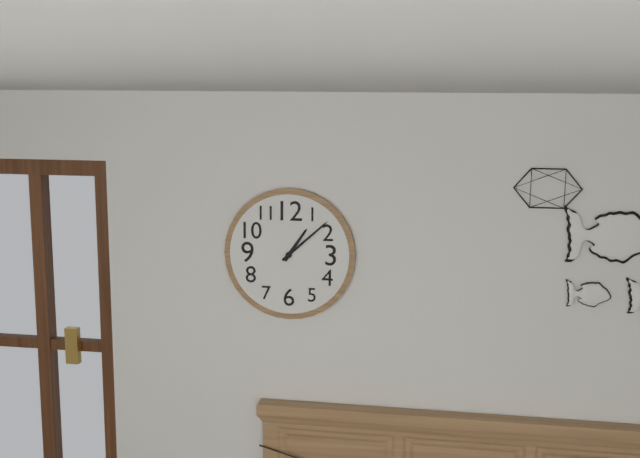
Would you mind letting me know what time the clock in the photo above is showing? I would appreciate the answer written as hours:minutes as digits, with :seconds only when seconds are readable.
1:08
